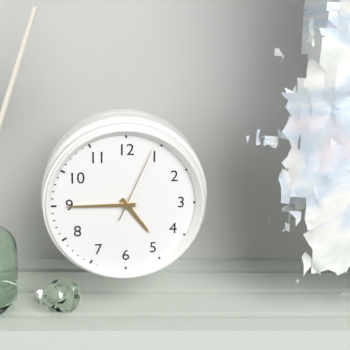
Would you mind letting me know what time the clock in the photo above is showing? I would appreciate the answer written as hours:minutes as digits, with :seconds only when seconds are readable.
4:45:04
